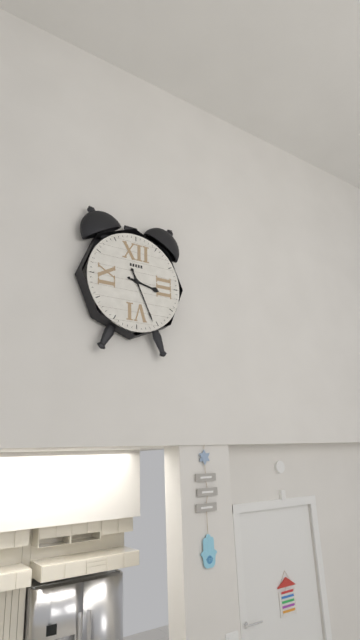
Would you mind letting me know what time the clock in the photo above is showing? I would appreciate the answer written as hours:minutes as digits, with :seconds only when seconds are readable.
3:26
